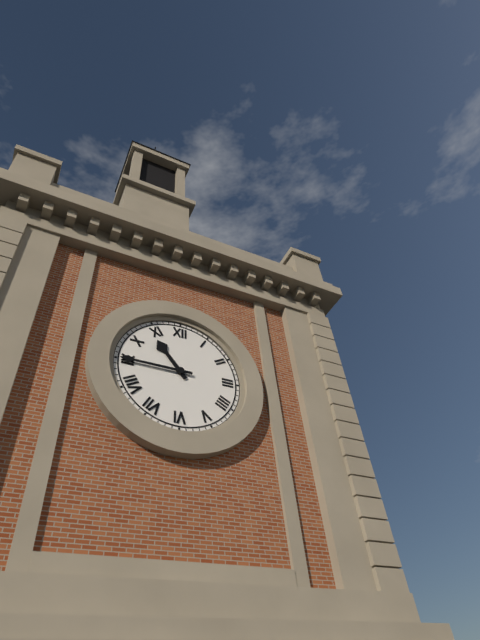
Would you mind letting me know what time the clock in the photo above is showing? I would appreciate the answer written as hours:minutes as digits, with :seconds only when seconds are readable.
10:45
